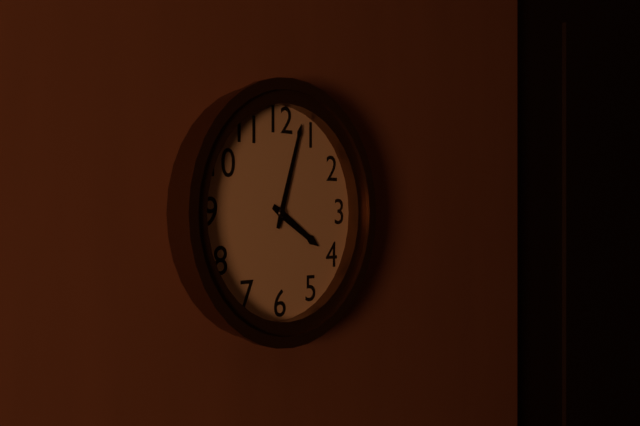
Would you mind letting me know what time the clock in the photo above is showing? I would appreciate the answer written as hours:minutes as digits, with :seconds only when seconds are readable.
4:03
